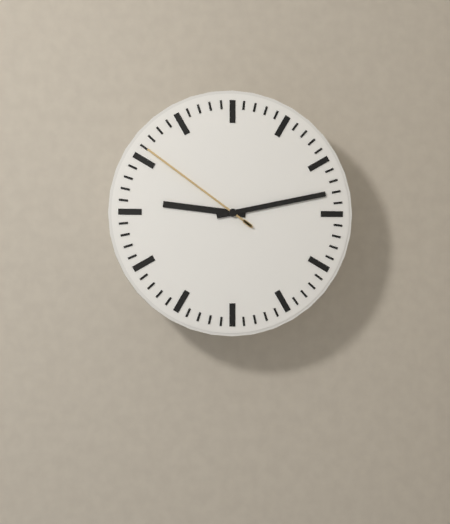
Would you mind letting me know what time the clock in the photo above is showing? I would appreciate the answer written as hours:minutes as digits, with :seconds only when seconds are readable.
9:13:51
